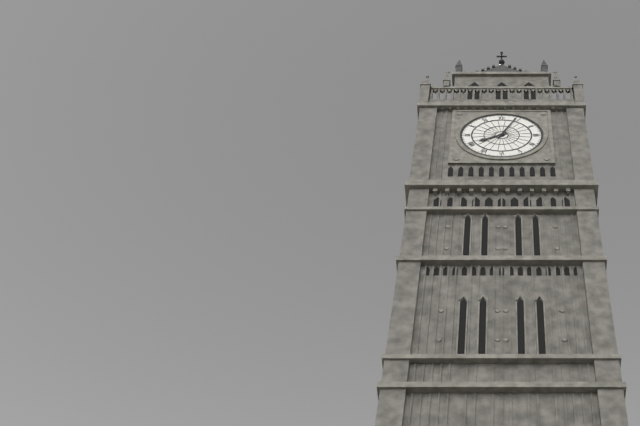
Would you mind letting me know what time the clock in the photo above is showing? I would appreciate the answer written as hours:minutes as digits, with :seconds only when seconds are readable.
8:04
